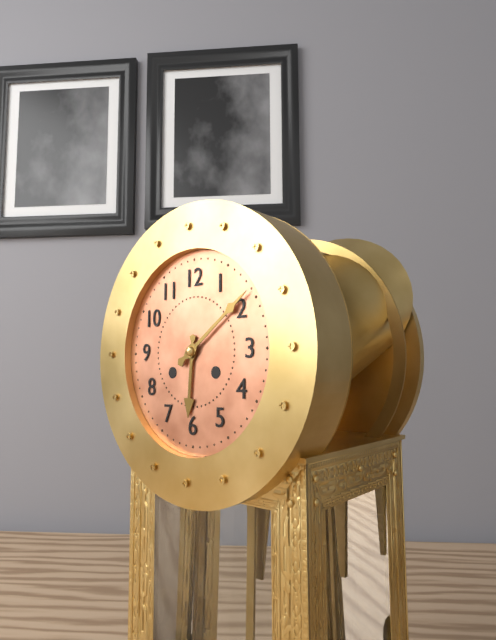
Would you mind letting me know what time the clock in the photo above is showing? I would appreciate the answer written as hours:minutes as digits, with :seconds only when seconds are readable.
6:09
